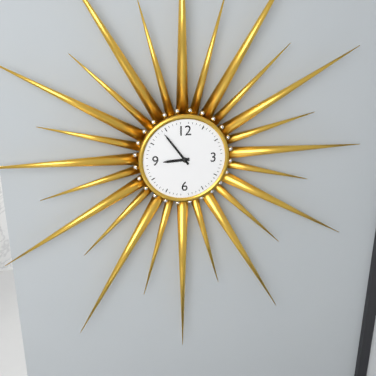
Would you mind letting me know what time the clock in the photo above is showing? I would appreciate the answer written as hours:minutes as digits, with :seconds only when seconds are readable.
8:54
